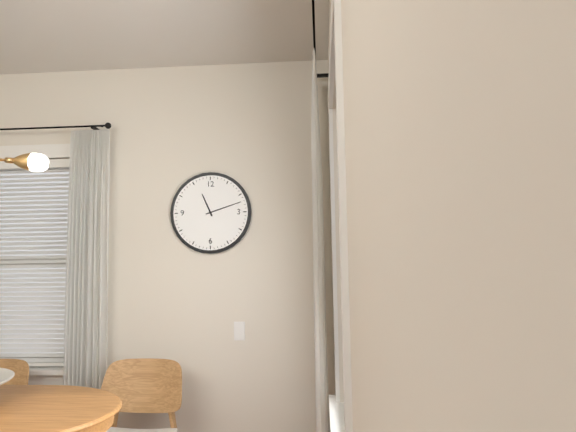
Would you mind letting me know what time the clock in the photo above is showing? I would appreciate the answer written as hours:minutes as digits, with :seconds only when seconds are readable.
11:12
